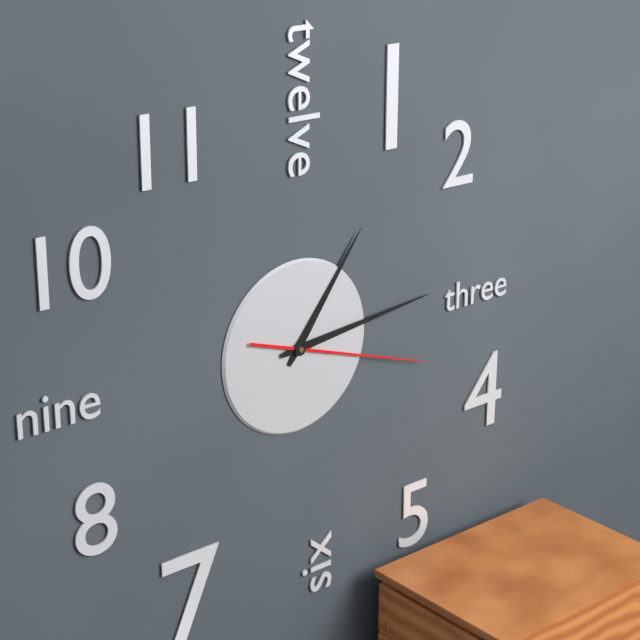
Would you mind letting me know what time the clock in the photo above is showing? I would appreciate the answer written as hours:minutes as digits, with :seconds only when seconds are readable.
1:14:18
